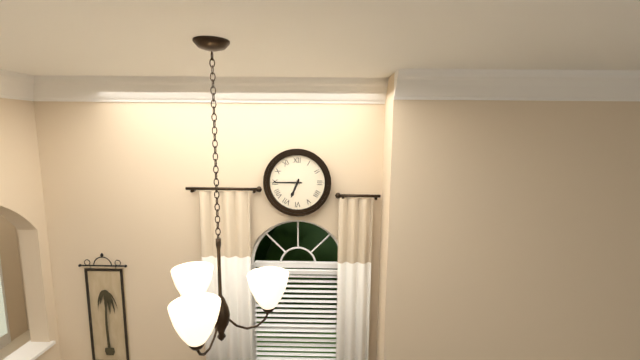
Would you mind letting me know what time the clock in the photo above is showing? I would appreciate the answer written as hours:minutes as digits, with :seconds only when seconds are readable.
6:45
